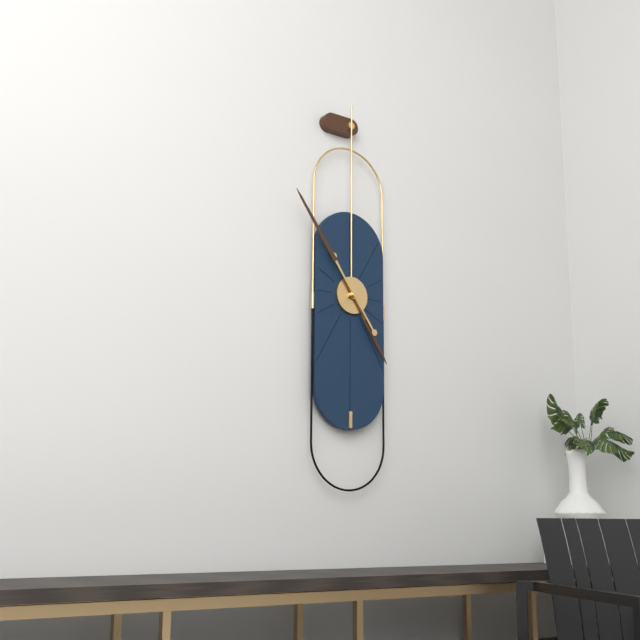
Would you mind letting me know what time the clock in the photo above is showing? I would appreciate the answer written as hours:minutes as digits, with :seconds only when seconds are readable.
4:54
